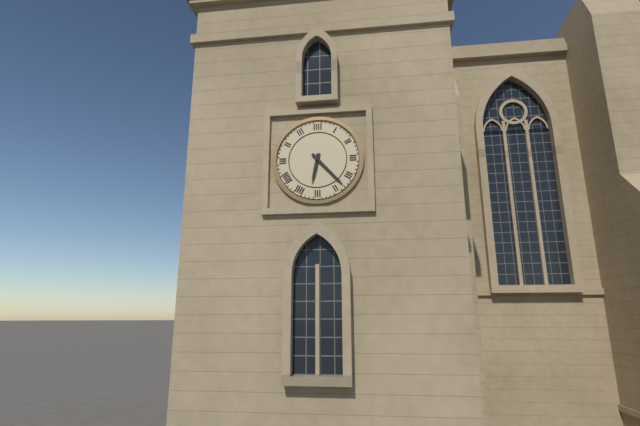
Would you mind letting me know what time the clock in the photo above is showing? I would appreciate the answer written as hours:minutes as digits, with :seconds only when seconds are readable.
6:23
